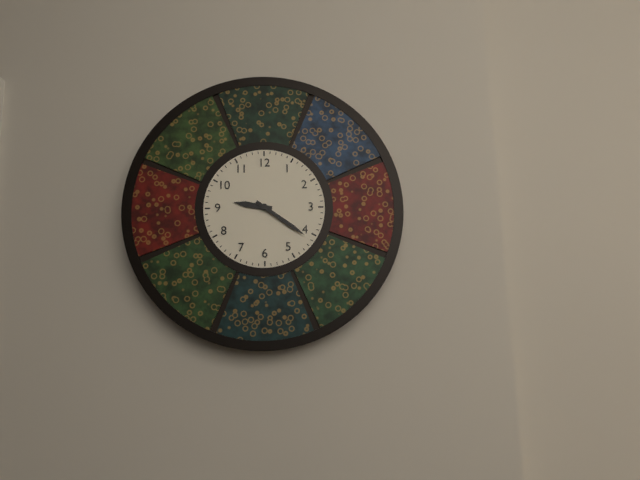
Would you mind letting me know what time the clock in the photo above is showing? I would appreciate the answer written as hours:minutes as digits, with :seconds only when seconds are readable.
9:21
